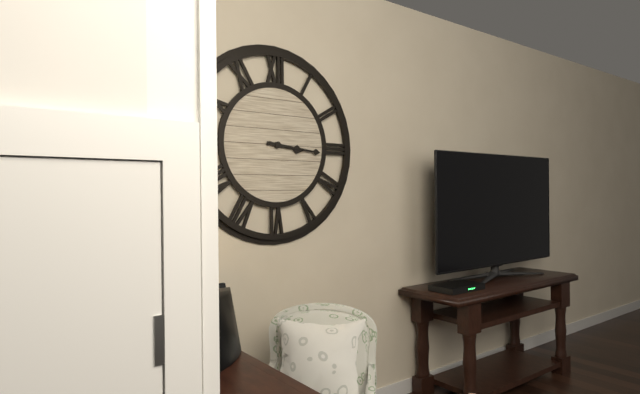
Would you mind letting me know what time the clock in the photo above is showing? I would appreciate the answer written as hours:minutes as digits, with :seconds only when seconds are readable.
3:16
